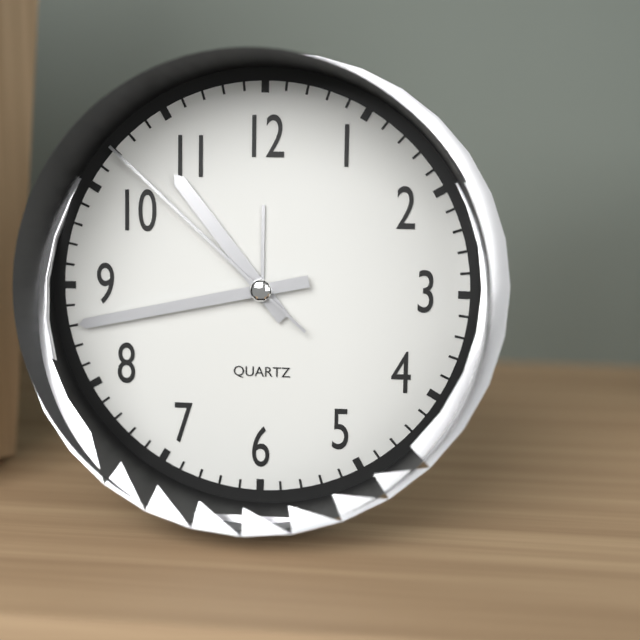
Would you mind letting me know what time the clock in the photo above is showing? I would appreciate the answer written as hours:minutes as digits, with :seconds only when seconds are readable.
10:43:52
